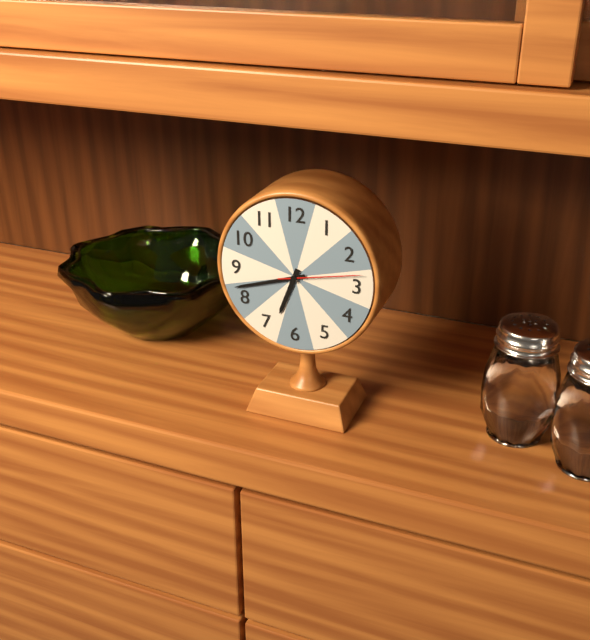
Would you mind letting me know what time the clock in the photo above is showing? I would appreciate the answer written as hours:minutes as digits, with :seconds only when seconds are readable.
6:42:13
